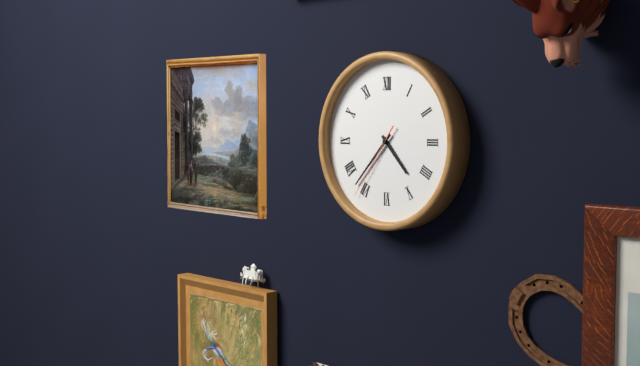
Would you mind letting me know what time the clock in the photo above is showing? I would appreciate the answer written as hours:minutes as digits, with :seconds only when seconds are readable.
4:37:36
